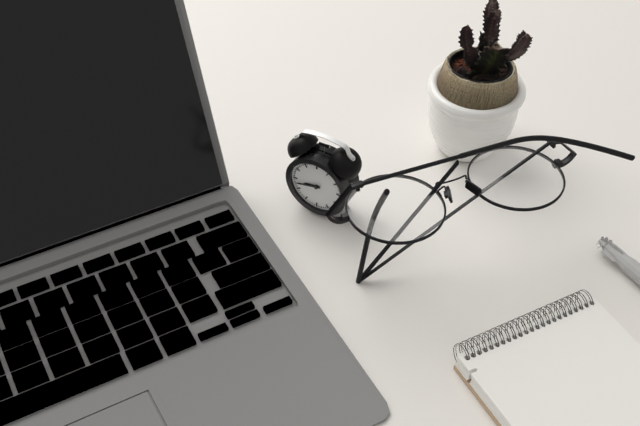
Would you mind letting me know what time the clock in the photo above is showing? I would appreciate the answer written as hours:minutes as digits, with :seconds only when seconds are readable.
8:43
